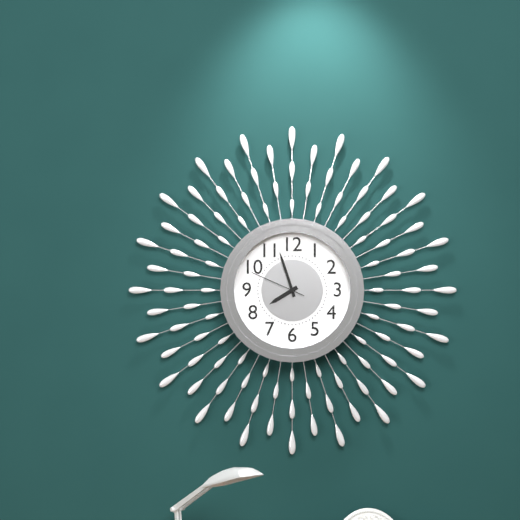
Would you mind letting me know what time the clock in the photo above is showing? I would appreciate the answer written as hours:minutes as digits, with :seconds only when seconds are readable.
7:57:49
